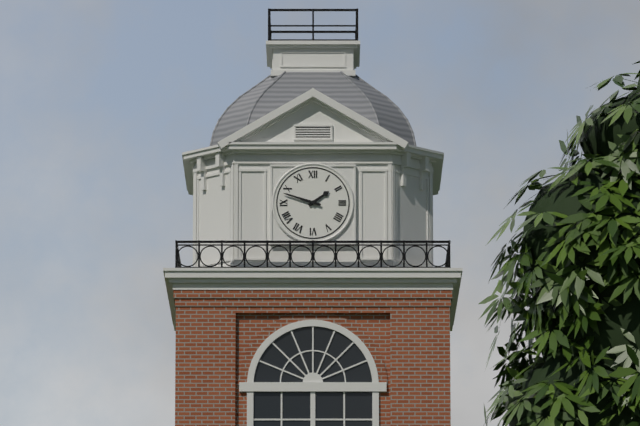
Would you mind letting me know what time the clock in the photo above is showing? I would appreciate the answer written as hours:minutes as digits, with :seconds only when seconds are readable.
1:48
